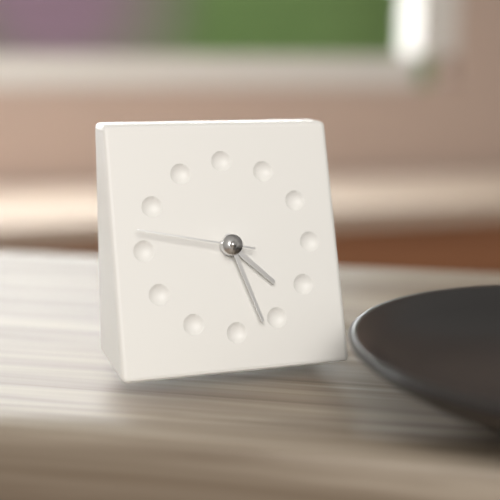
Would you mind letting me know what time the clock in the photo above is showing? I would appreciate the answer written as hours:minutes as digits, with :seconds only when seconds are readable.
4:27:47
